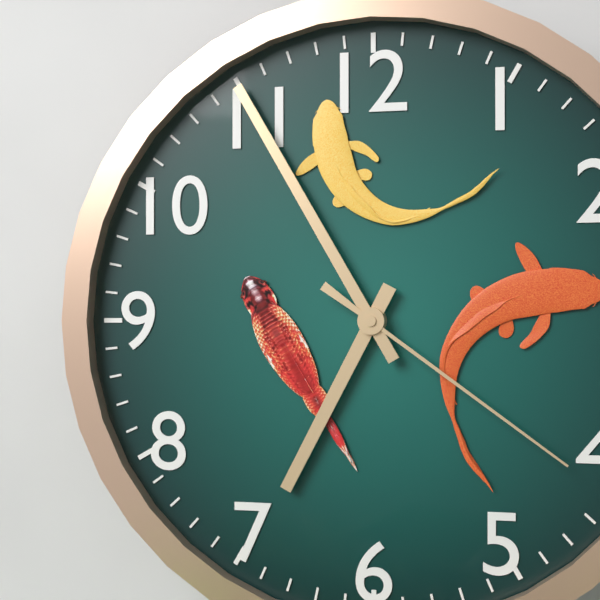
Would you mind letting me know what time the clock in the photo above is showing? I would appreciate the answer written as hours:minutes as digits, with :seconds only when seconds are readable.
6:55:21
